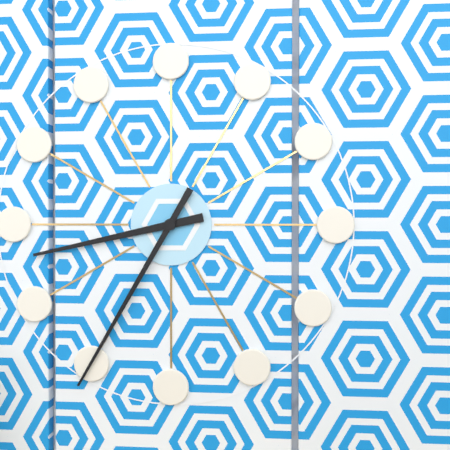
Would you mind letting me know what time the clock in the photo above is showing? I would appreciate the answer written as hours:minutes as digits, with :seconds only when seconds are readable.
8:35
